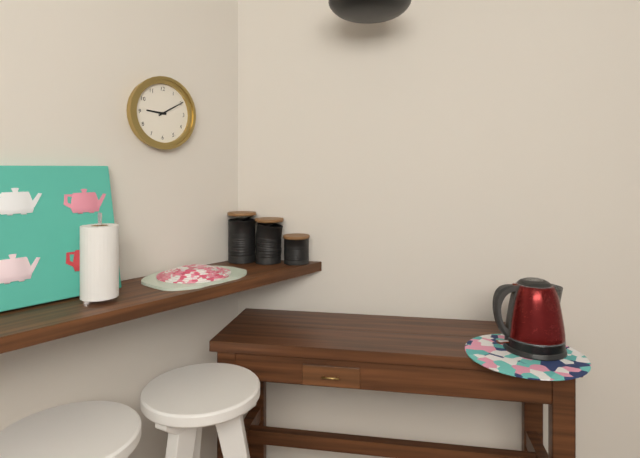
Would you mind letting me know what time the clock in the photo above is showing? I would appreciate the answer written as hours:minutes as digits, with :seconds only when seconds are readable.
9:10
